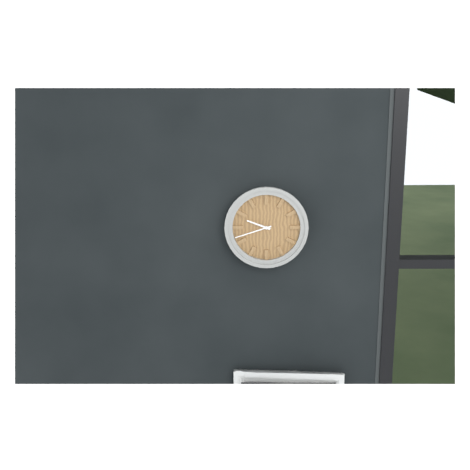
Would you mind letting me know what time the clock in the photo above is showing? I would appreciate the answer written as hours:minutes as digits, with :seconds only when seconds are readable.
9:42
